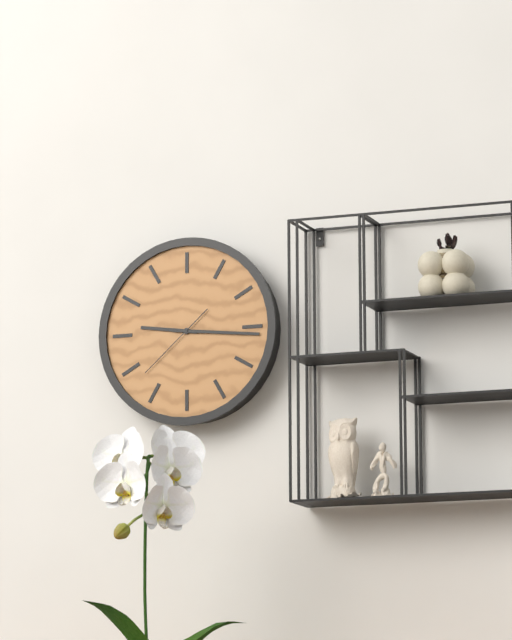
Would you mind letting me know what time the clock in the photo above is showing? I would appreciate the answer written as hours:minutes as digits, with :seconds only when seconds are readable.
9:16:38
